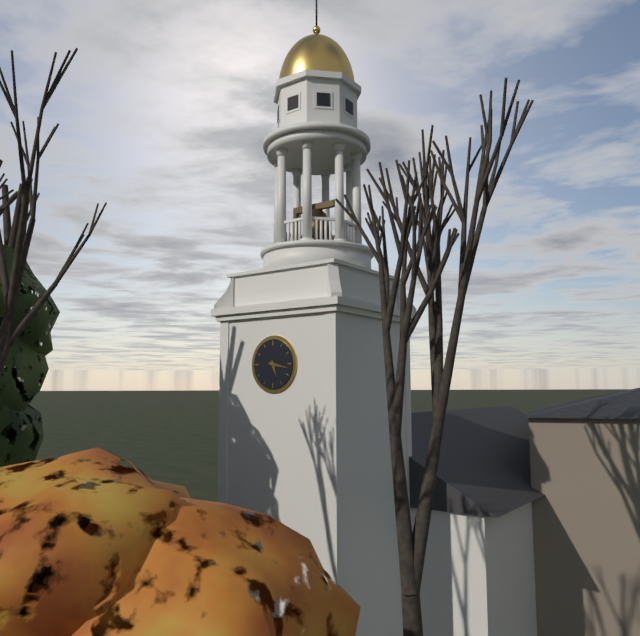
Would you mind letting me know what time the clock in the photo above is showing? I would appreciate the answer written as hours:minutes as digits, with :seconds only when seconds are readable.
5:17
